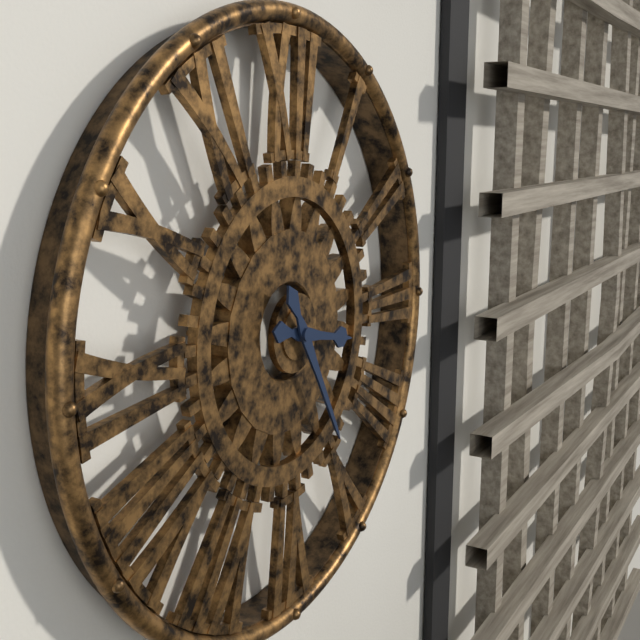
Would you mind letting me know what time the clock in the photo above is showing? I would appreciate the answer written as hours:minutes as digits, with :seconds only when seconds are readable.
3:25
